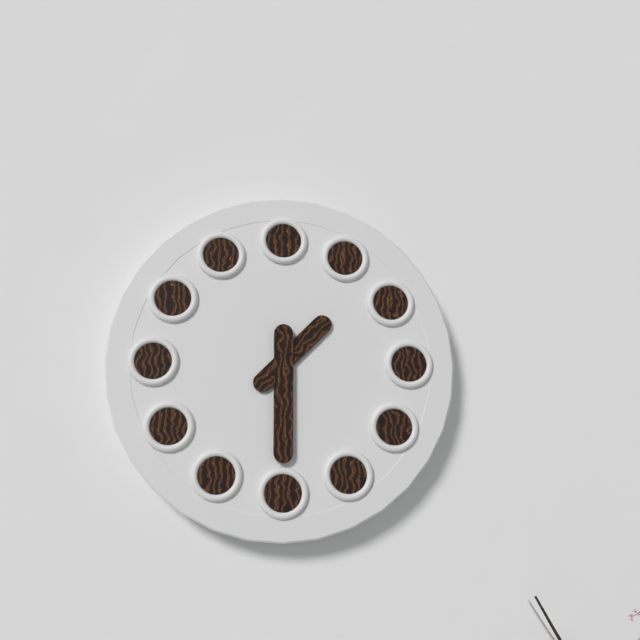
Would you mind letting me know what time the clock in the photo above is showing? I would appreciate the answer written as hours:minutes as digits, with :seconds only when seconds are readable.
1:30
